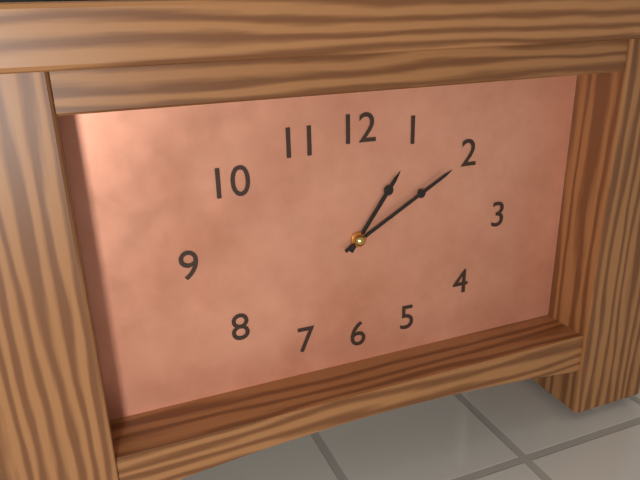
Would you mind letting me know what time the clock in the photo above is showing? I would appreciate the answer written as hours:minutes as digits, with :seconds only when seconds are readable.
1:10
